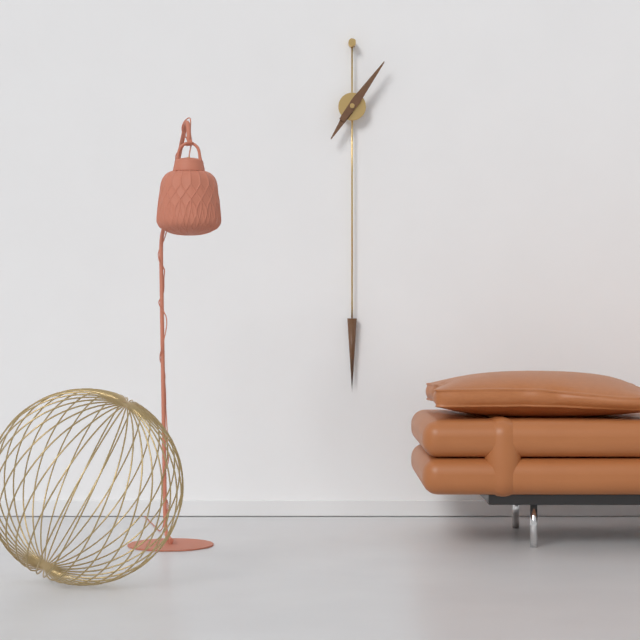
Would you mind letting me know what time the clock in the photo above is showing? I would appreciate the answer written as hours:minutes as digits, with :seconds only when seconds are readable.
7:06
